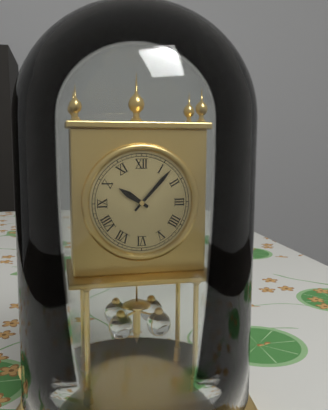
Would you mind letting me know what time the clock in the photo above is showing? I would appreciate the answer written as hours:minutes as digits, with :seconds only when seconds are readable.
10:07
